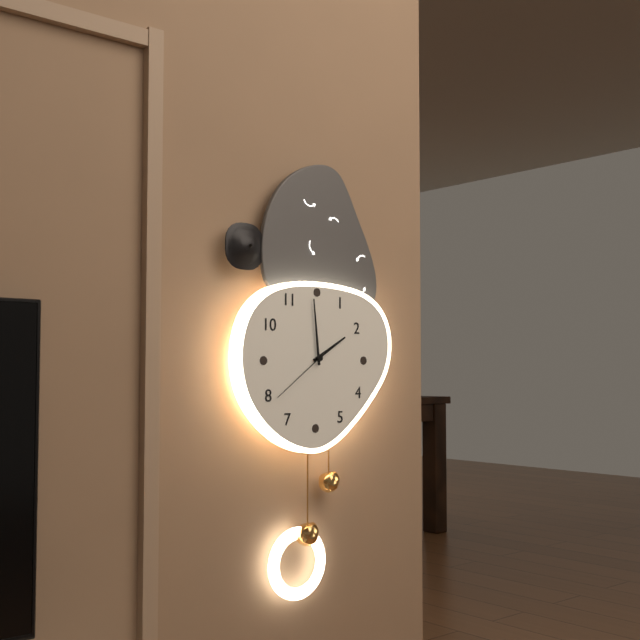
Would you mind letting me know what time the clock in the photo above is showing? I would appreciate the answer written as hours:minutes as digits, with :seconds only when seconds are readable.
1:59:39
